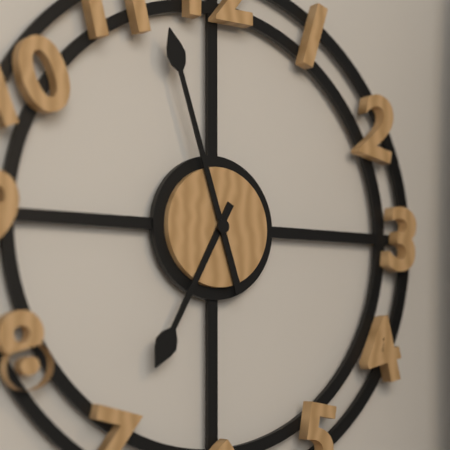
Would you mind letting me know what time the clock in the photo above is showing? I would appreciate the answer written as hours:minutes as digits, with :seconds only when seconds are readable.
6:57
